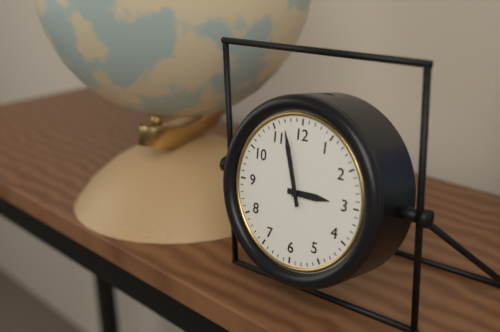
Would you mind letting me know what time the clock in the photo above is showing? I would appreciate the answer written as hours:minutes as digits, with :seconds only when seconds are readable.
2:57
